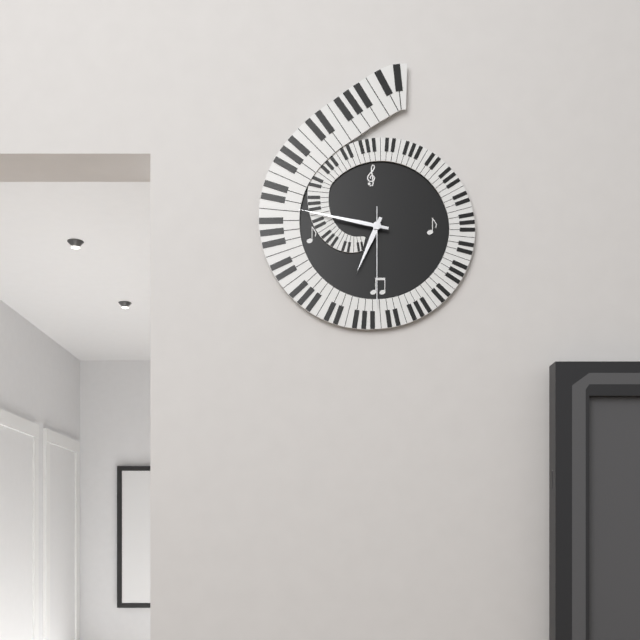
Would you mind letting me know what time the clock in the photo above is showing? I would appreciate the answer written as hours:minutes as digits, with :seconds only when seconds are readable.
6:47:30
